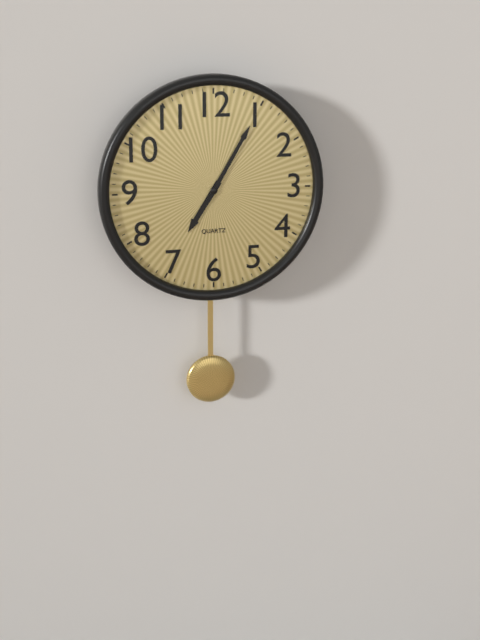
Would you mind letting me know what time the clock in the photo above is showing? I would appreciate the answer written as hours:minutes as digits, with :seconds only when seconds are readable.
7:05
